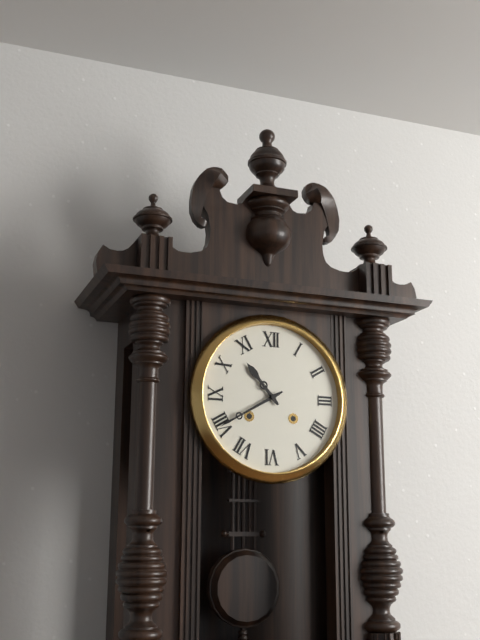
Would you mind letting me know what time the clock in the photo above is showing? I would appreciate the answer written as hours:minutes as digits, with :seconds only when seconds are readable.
10:40
